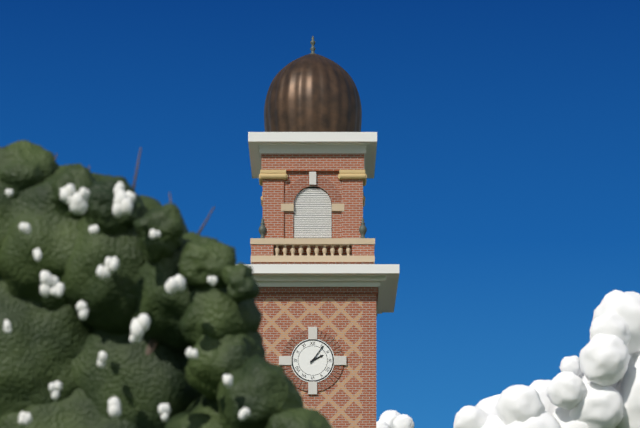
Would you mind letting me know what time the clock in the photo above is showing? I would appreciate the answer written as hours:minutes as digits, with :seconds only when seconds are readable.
2:06
